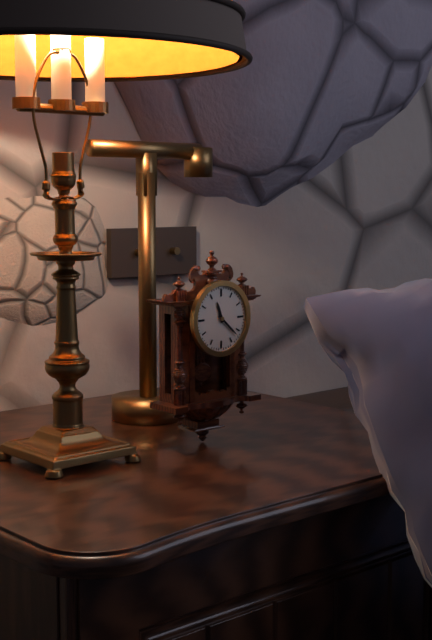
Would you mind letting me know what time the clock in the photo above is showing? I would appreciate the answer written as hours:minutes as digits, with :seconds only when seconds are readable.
11:22
